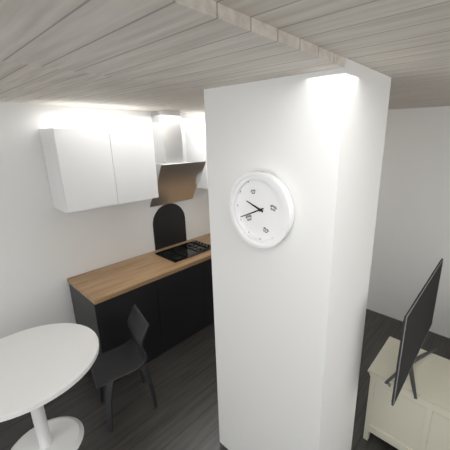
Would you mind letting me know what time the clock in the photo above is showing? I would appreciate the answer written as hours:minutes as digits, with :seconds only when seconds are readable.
9:41
